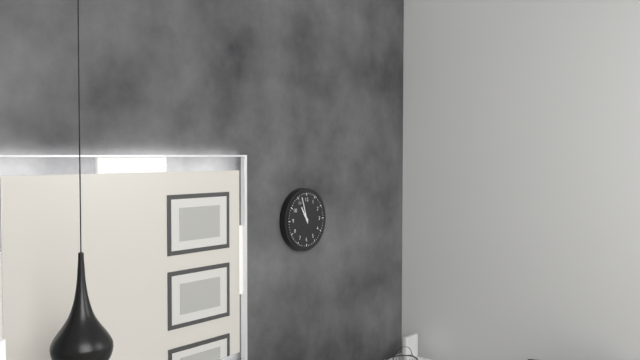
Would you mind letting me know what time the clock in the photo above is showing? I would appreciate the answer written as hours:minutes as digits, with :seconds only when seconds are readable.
10:57
